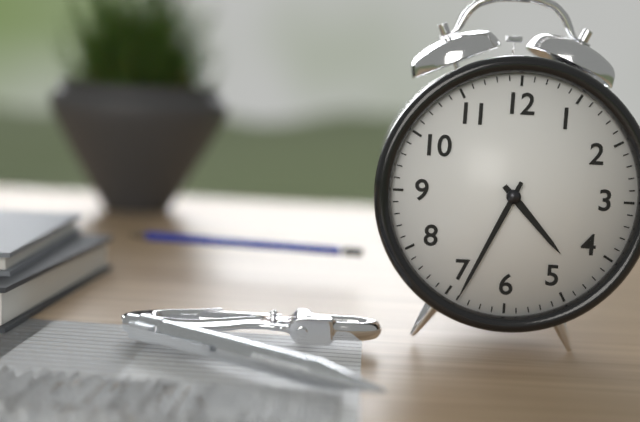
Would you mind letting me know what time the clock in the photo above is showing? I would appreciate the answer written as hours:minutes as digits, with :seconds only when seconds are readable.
4:34
